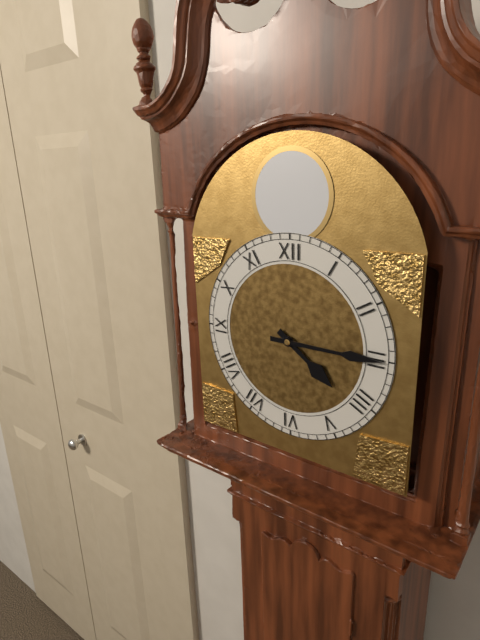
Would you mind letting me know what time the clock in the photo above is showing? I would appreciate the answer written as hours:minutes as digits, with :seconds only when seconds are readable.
4:15
